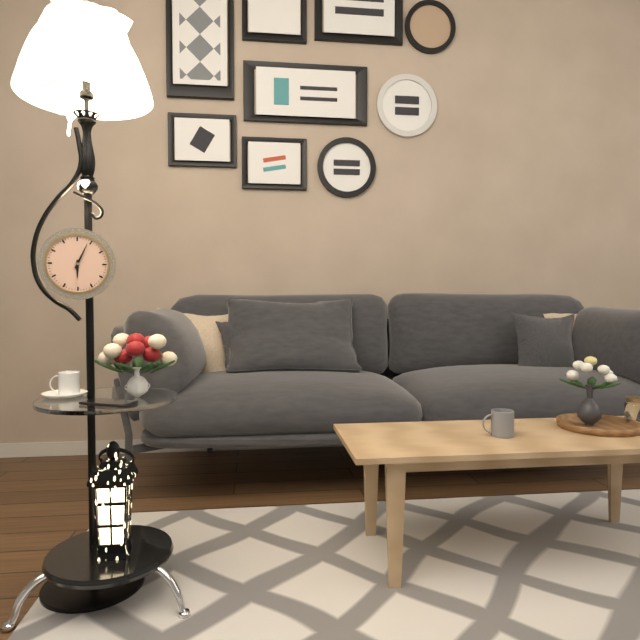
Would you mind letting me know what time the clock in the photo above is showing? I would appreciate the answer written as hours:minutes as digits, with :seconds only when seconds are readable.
6:04
